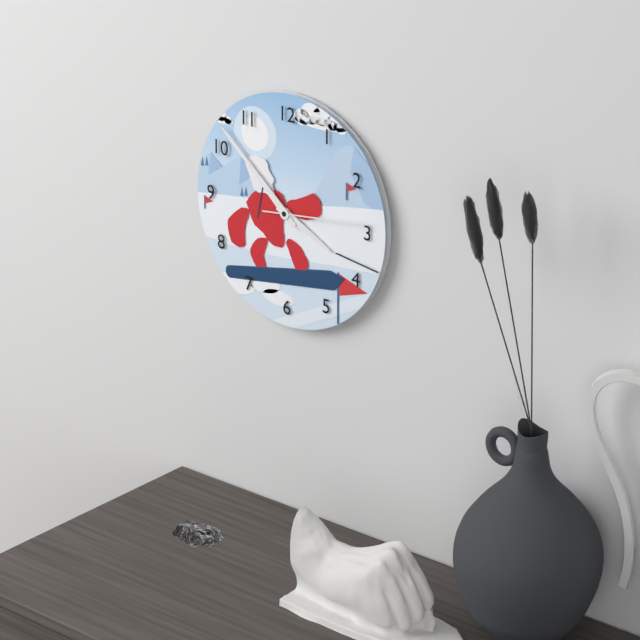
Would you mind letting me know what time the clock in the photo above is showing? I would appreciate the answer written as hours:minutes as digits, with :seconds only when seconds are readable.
3:52:14
